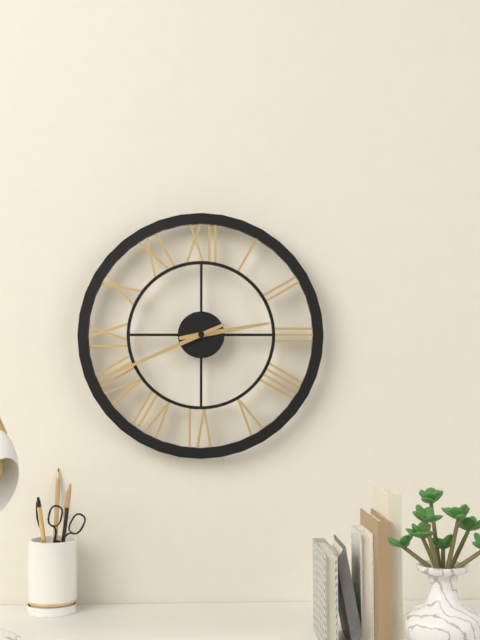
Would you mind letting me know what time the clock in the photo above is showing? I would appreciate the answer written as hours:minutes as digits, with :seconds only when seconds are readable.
2:41
